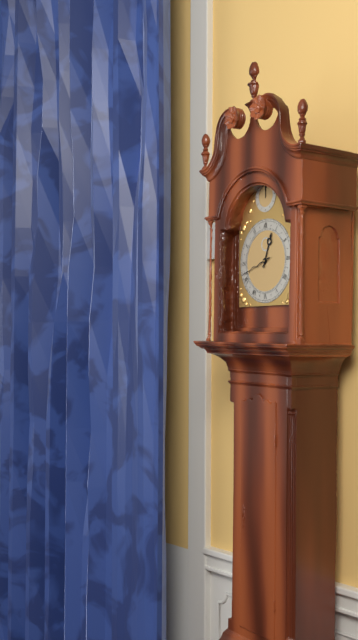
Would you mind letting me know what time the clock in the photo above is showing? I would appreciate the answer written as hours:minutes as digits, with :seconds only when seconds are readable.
12:42
